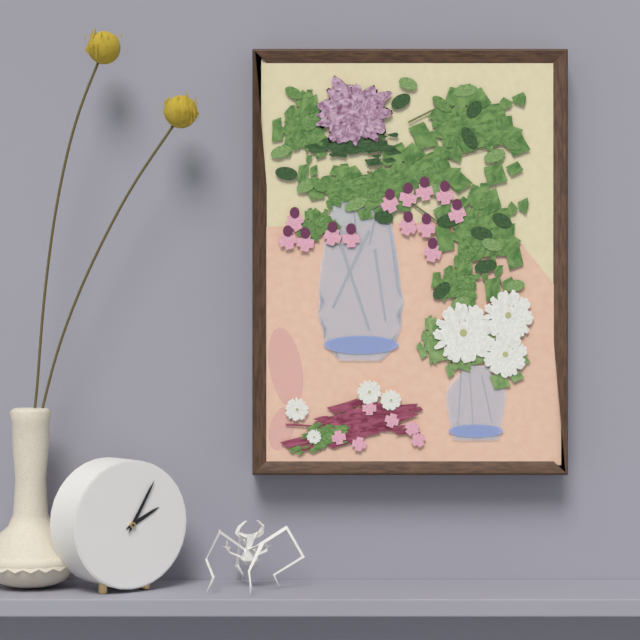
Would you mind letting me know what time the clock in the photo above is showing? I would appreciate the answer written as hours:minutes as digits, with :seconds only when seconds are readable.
2:05
